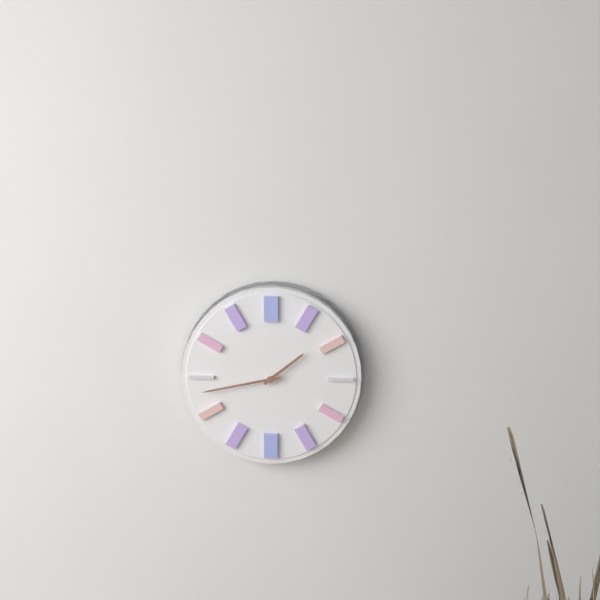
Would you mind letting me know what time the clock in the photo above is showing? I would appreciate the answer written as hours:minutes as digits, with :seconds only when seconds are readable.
1:43
